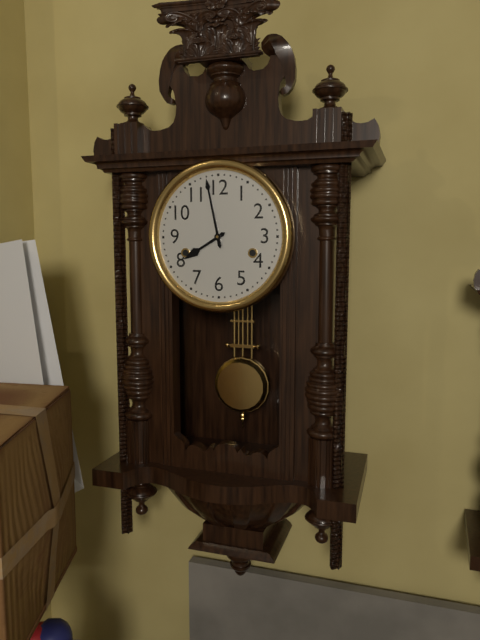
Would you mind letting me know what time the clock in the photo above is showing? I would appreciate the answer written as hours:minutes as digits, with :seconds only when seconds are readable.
7:58
